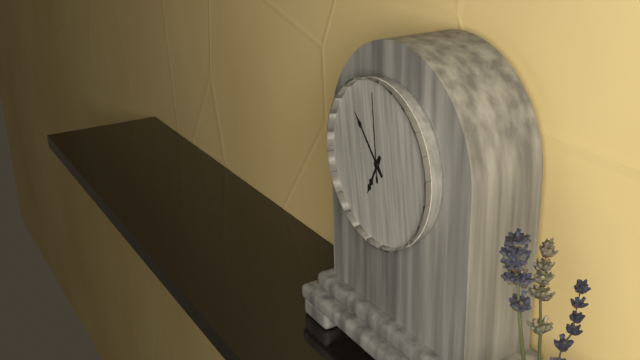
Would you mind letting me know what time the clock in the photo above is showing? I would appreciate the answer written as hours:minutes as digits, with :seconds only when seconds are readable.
6:53:59
